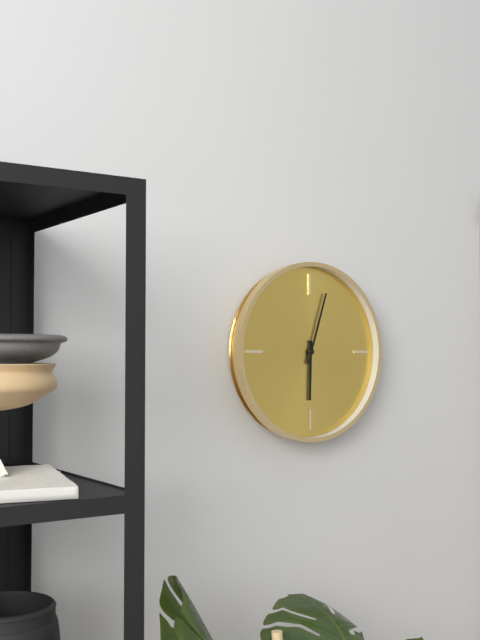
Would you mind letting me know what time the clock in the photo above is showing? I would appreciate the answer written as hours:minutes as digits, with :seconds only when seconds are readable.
6:03
